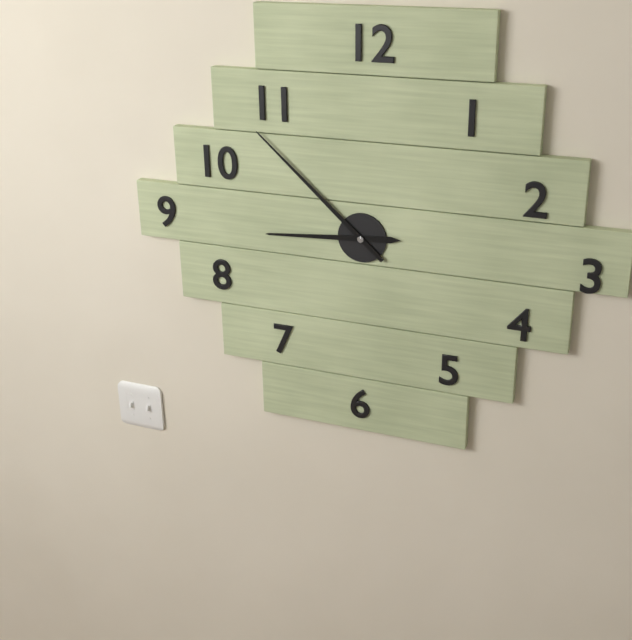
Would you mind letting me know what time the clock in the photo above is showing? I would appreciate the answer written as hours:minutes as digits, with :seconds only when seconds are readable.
8:52
